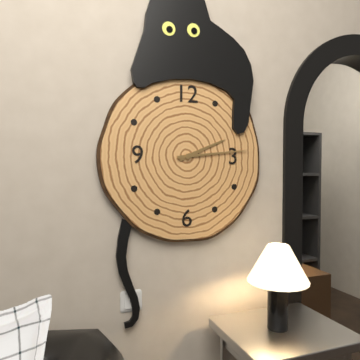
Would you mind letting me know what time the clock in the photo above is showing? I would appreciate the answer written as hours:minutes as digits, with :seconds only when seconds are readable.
2:14
